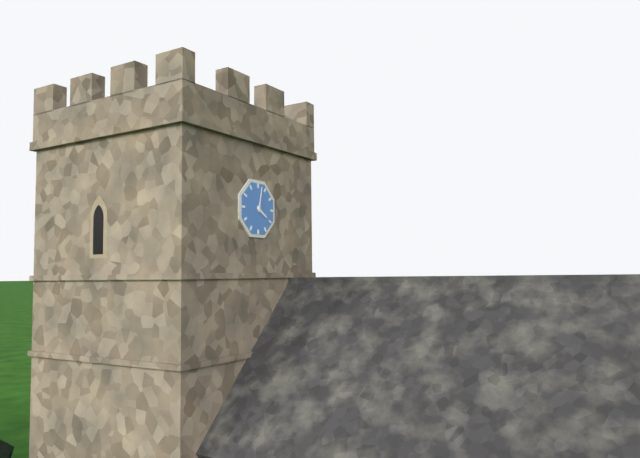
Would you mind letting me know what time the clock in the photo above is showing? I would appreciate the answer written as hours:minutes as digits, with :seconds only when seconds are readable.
4:02
